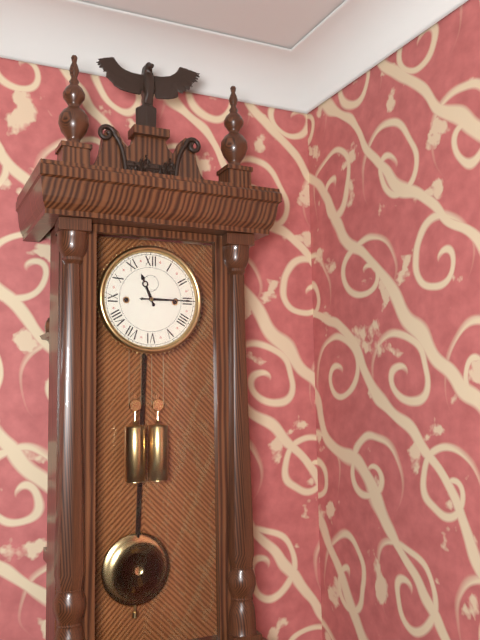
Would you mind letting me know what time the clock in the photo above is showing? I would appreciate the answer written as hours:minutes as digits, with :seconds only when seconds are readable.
11:15
